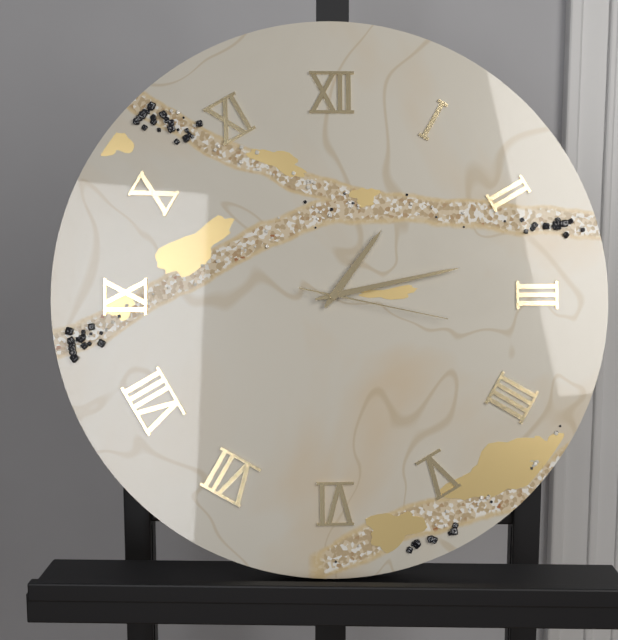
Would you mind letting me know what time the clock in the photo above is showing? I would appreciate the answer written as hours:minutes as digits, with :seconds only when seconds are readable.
1:13:17
